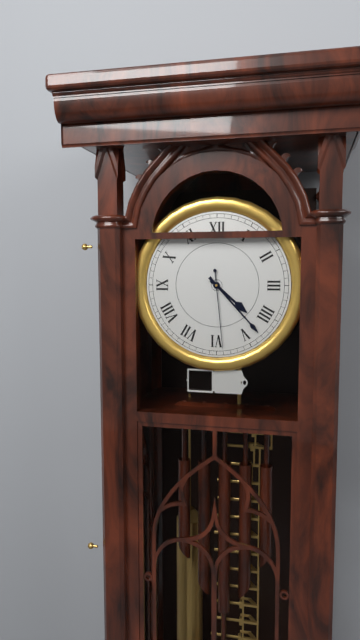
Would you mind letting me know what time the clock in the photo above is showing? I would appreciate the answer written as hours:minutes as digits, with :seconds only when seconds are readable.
4:23:29
